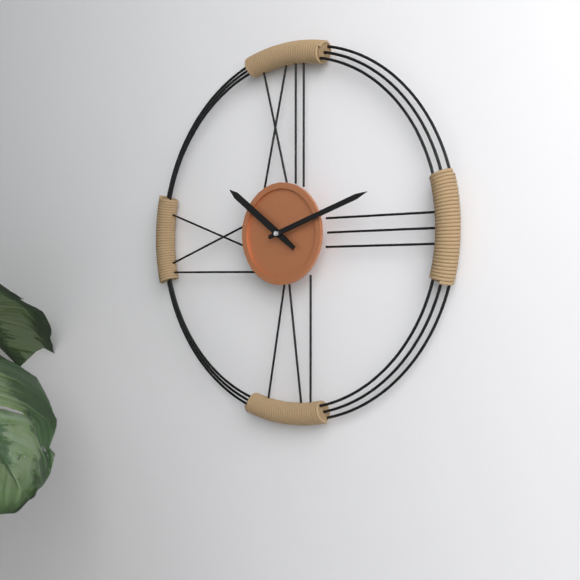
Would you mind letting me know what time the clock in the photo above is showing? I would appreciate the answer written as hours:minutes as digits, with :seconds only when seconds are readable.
10:12
